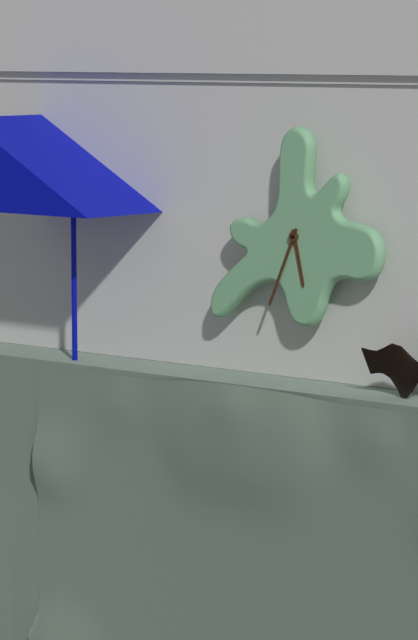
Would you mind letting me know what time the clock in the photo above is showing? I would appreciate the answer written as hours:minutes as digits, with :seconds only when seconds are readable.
5:34
